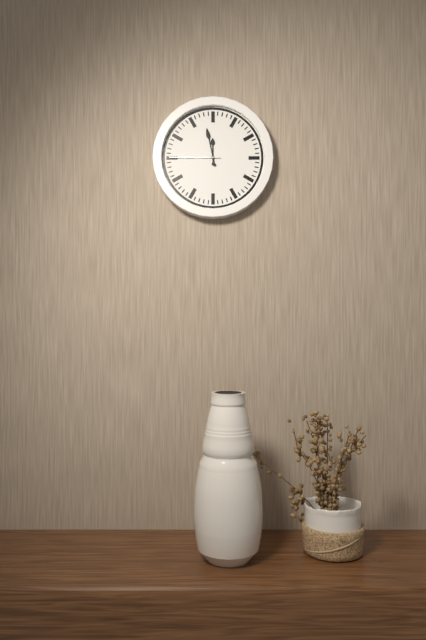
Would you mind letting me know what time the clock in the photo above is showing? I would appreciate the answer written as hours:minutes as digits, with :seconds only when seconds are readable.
11:58:45
